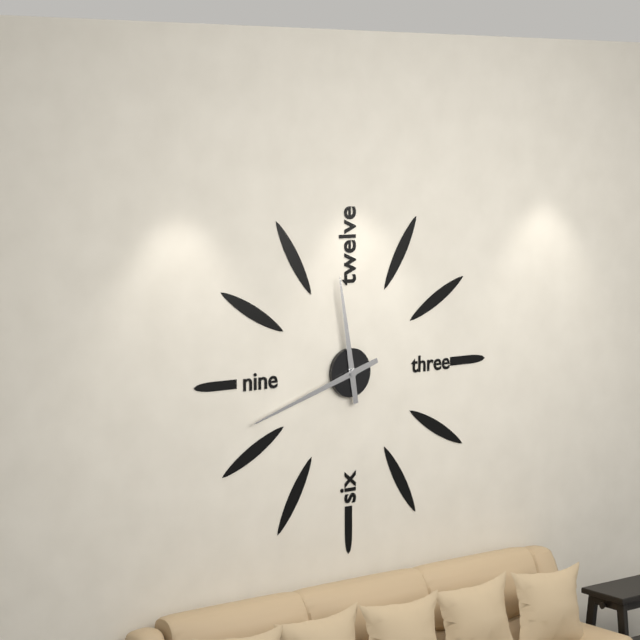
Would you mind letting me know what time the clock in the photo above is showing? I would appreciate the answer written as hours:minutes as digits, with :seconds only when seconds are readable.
11:42
